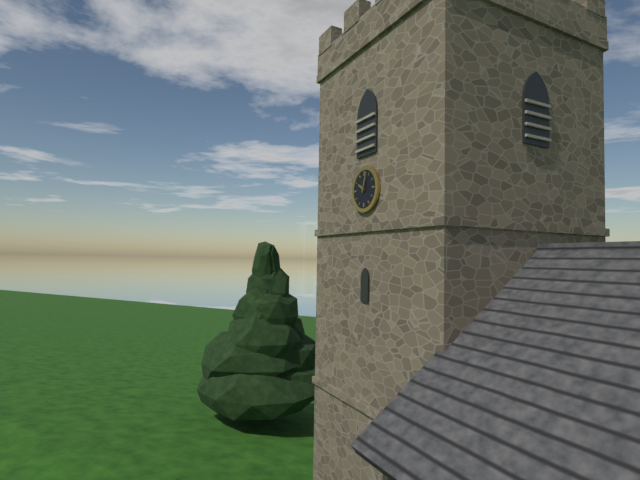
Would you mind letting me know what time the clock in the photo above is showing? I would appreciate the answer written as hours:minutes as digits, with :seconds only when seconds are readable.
10:03
